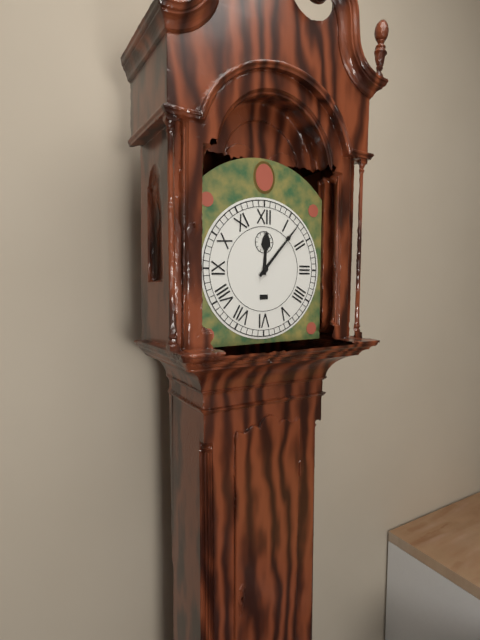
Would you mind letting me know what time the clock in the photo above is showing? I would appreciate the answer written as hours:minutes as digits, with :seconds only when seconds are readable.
12:07
